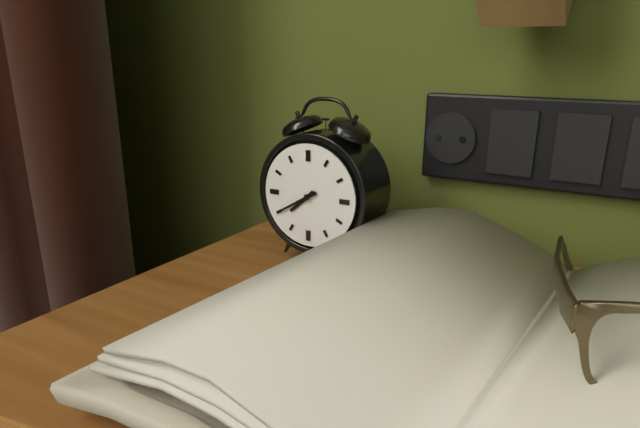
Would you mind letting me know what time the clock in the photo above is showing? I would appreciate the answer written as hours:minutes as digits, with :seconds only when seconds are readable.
7:40
